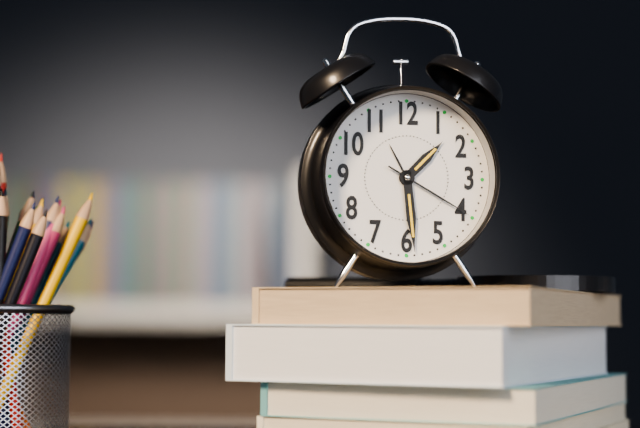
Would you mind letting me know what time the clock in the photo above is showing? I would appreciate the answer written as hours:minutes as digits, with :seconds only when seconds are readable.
1:29:20
